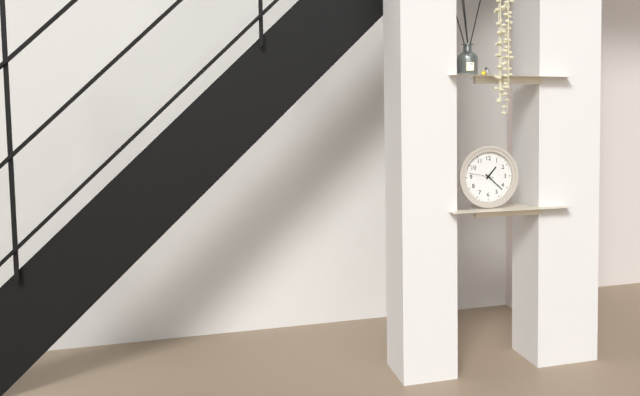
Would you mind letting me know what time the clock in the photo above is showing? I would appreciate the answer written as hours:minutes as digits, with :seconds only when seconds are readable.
1:22
